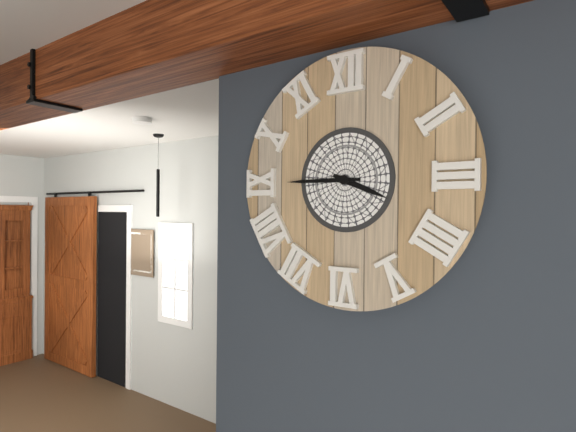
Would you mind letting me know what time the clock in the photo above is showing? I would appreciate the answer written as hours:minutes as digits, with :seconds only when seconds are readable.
3:45
